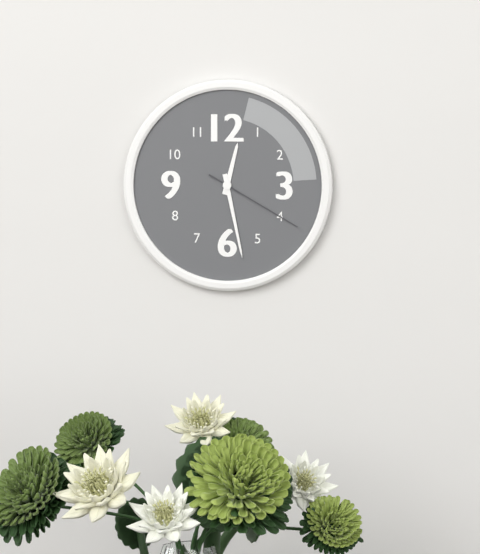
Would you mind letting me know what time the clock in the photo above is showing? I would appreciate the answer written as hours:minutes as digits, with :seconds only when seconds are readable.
12:28:20
